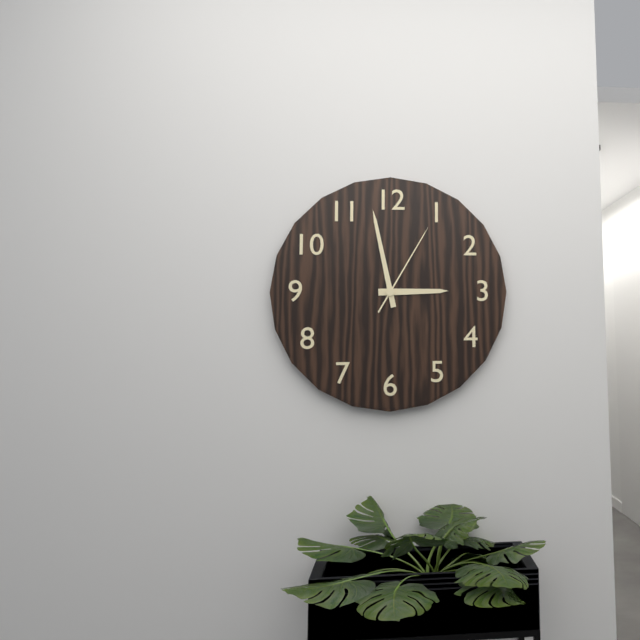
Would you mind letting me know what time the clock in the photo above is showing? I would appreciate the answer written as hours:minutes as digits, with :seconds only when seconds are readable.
2:58:05
